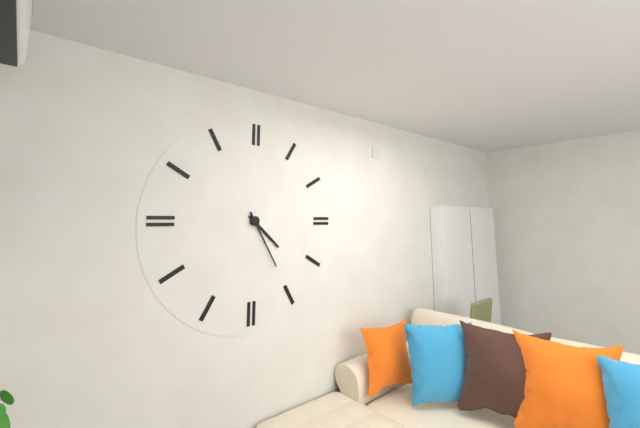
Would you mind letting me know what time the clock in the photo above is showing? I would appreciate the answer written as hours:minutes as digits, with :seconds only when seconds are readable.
4:25
